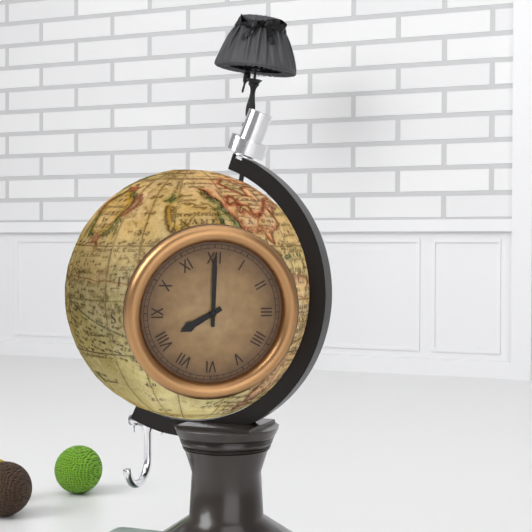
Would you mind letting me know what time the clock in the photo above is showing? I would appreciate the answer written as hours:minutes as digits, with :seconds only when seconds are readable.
8:00
